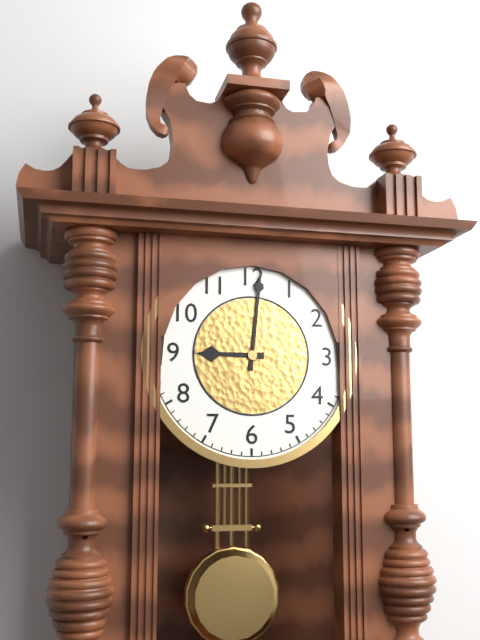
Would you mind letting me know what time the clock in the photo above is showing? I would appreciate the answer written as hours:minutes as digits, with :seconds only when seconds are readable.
9:01
